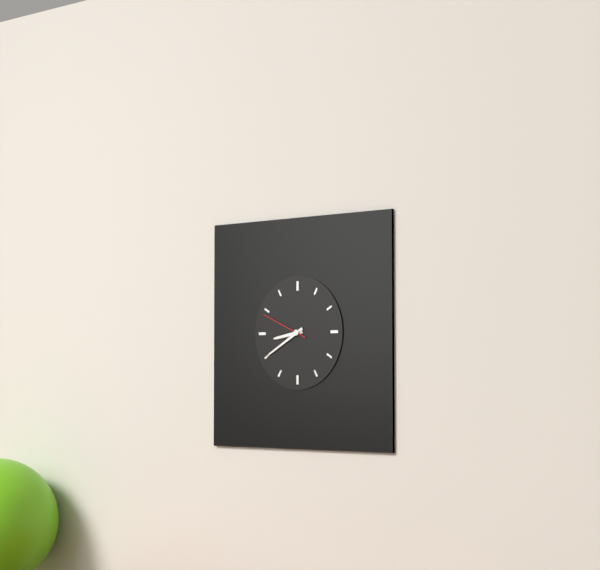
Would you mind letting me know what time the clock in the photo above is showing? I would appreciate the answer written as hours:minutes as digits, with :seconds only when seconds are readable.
8:40
